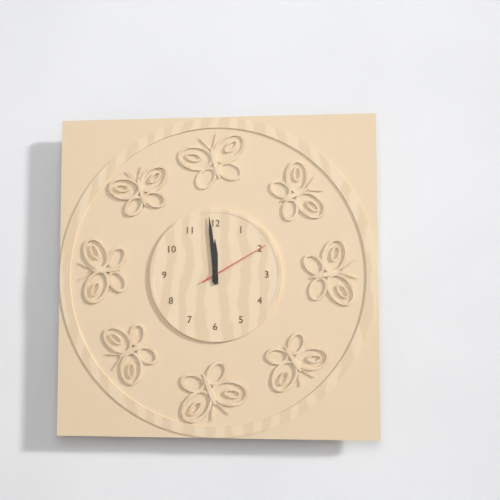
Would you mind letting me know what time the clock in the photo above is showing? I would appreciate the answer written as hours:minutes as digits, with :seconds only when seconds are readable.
11:59:10
